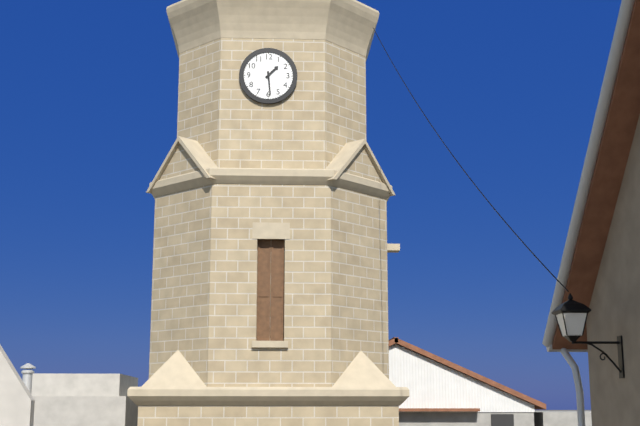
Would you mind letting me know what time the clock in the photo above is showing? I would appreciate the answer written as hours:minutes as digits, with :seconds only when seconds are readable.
1:29
